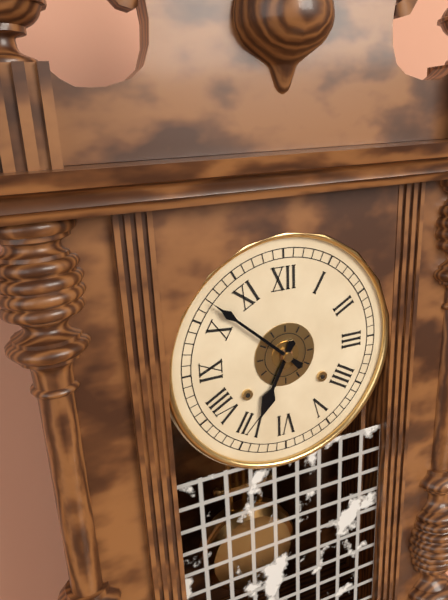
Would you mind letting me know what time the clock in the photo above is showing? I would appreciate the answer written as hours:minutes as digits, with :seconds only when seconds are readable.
6:52
